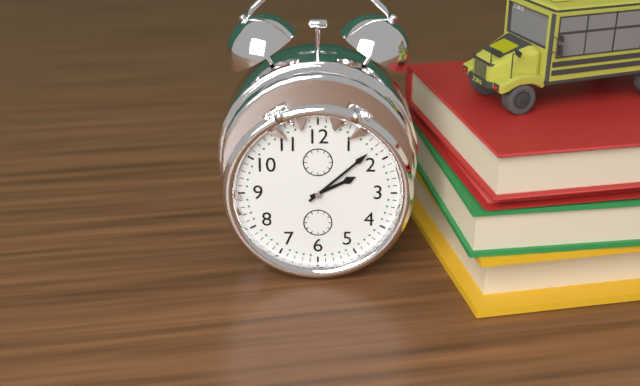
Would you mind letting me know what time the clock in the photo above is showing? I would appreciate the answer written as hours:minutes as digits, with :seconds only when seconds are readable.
2:08
